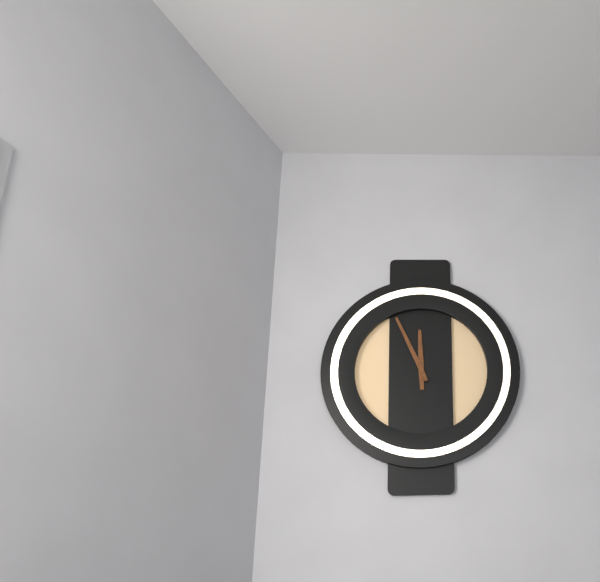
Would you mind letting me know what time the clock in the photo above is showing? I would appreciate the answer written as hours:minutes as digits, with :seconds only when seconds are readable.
11:56
